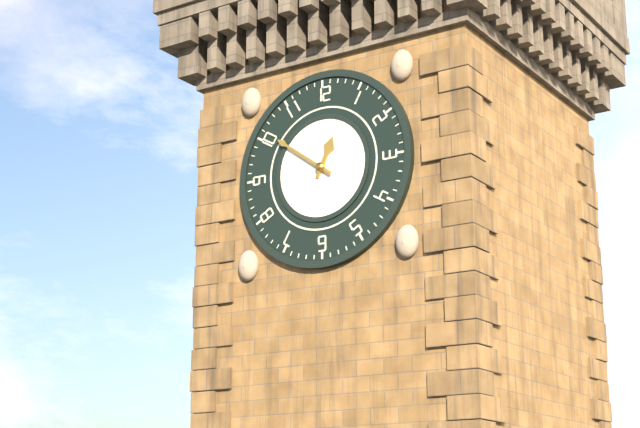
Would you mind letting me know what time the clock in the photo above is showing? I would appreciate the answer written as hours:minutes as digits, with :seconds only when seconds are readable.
12:51
